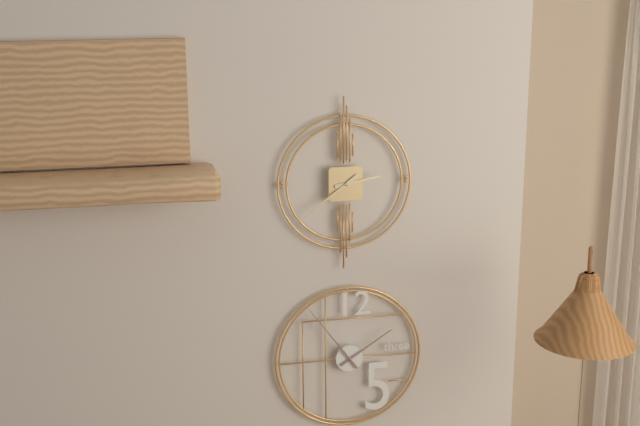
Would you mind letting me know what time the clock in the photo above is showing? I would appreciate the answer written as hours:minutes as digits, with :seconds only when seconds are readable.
2:39
